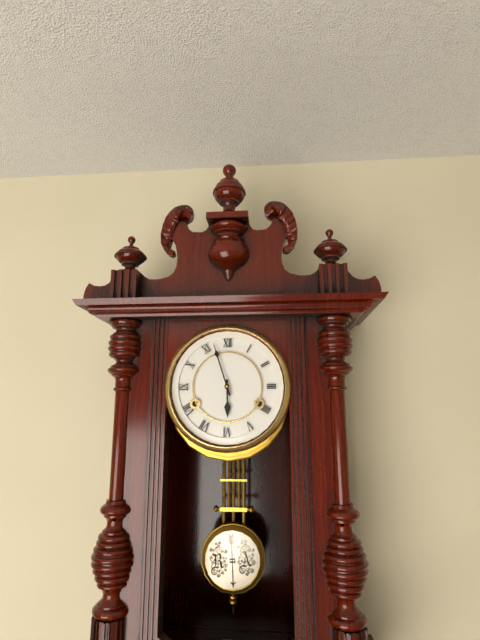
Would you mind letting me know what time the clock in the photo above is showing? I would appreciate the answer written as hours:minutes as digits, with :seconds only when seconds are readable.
5:57
